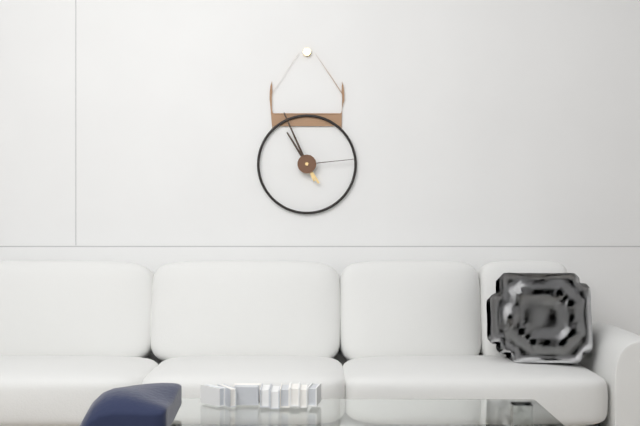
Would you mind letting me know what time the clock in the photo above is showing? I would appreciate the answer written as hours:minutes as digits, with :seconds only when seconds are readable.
10:56:14
